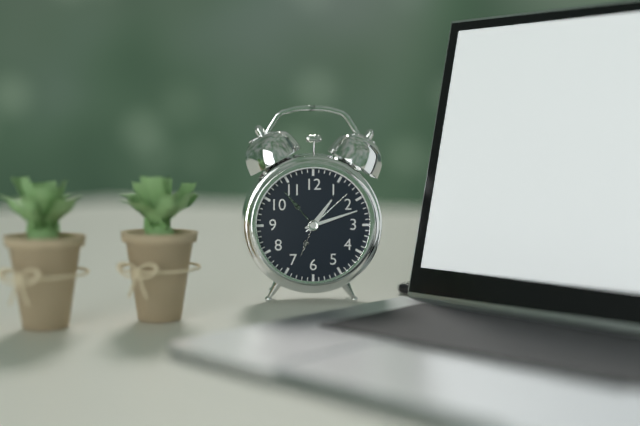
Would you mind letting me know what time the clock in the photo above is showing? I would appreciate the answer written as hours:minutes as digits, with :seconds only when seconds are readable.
1:12
